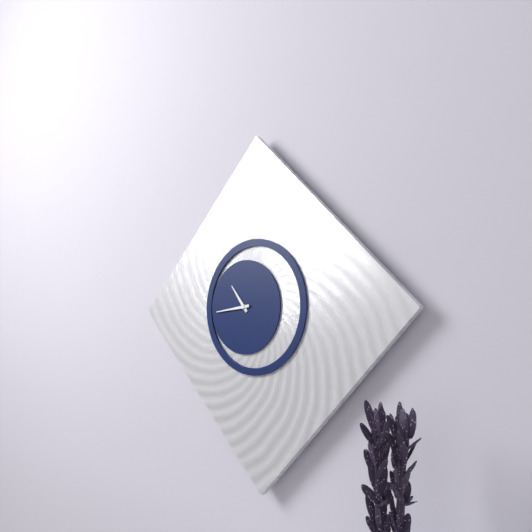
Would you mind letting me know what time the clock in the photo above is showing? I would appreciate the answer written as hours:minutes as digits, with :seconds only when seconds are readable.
10:44
